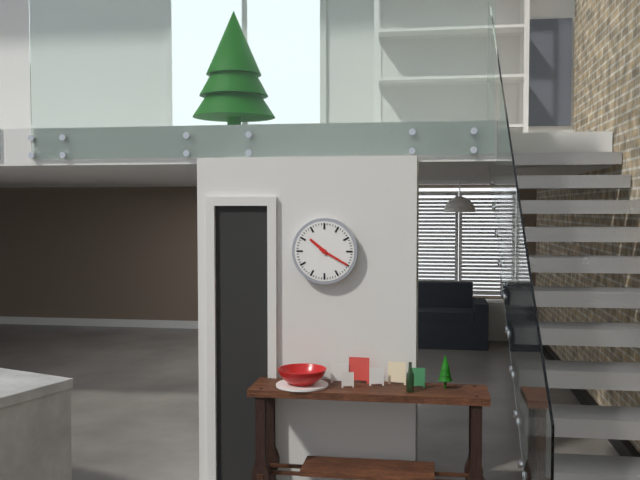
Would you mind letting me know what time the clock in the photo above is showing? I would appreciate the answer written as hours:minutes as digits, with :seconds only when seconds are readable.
10:20
